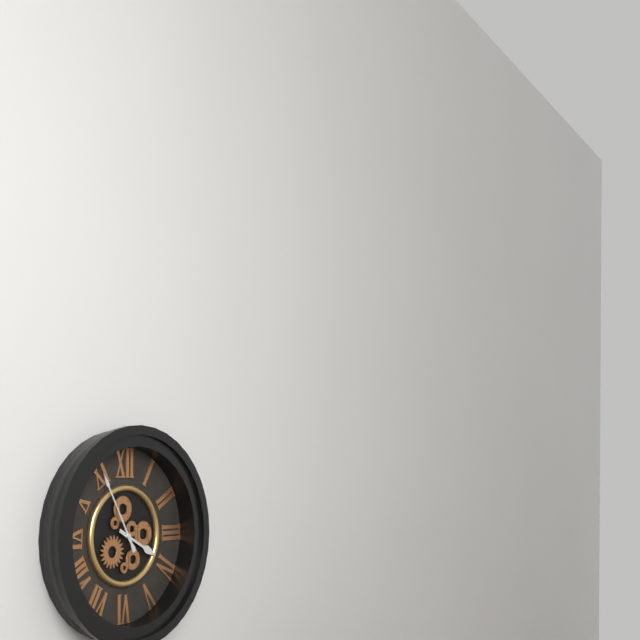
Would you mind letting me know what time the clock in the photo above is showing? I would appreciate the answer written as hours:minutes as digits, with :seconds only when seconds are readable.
3:55
